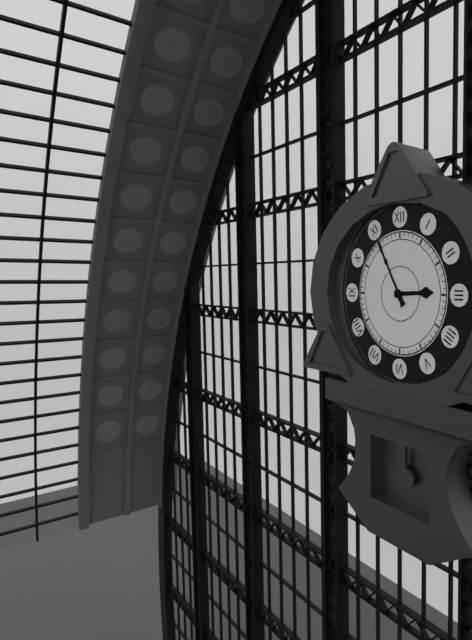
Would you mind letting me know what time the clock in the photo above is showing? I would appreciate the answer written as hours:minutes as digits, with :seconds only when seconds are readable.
2:55
